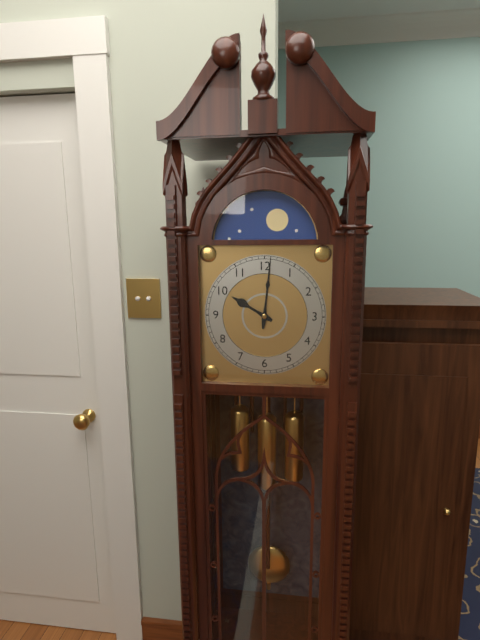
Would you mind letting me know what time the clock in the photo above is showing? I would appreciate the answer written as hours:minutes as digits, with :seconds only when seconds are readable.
10:01
